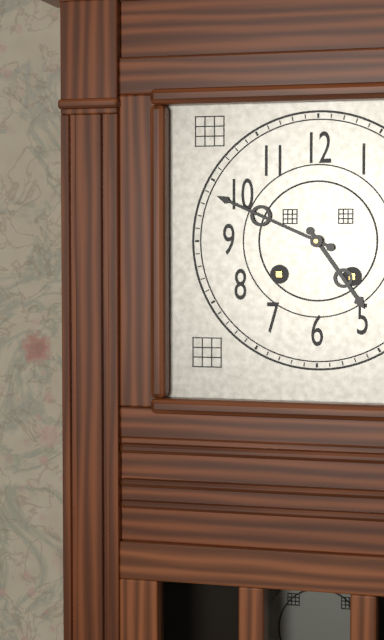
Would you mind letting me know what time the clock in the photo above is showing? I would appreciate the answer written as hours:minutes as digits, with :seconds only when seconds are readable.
4:49
